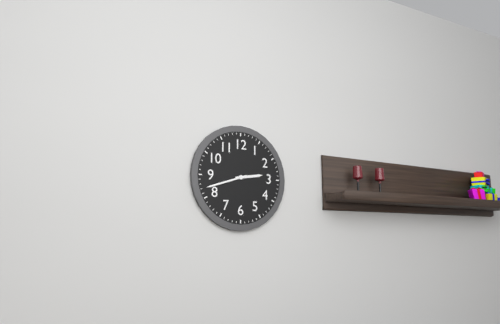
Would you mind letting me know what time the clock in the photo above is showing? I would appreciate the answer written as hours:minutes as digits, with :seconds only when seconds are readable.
2:42
